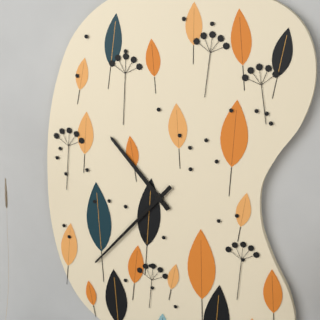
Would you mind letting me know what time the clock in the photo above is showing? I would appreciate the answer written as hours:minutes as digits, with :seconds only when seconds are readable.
10:37
